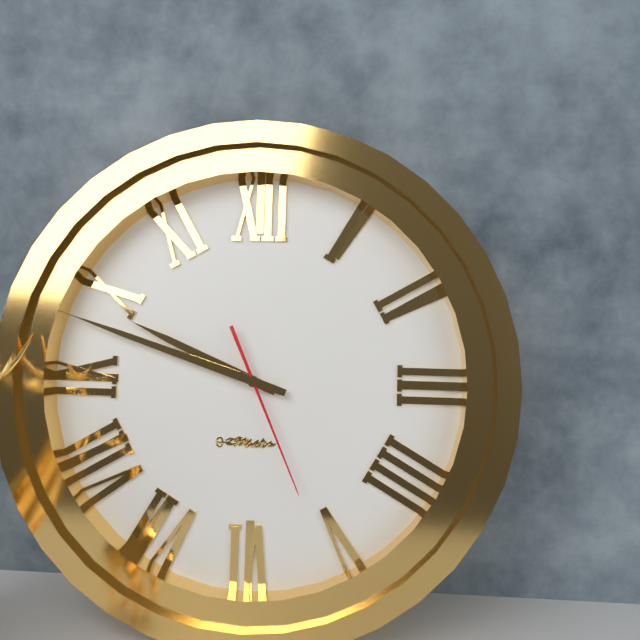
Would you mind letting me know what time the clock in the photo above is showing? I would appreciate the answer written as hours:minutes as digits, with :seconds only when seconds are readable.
9:48:26
